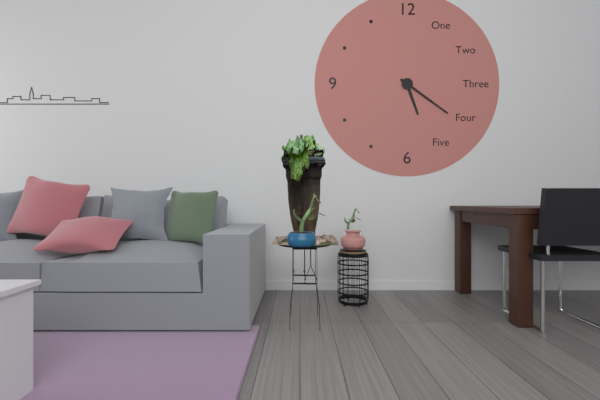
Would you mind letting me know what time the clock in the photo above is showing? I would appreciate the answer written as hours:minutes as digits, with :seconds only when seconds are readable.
5:21
